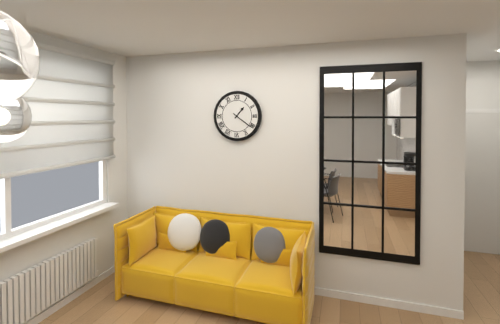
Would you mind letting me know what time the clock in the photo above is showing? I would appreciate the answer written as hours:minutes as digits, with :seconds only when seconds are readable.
1:21
